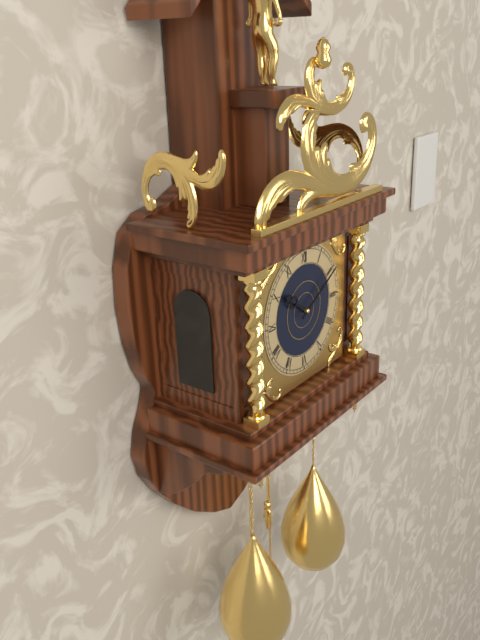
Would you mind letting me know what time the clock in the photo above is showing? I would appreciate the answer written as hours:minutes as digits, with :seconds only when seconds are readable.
10:10
